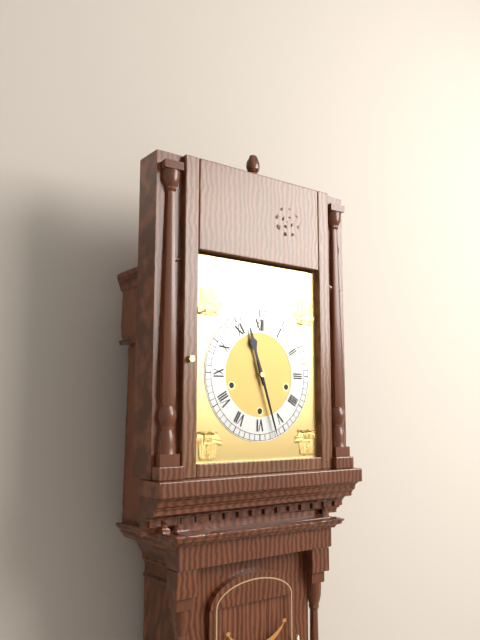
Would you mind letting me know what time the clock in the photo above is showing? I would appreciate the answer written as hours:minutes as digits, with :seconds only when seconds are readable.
11:27
